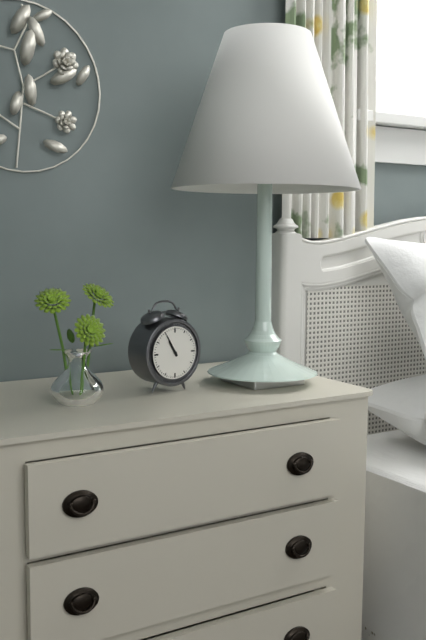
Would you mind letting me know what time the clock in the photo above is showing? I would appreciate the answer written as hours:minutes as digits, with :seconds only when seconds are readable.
10:55
